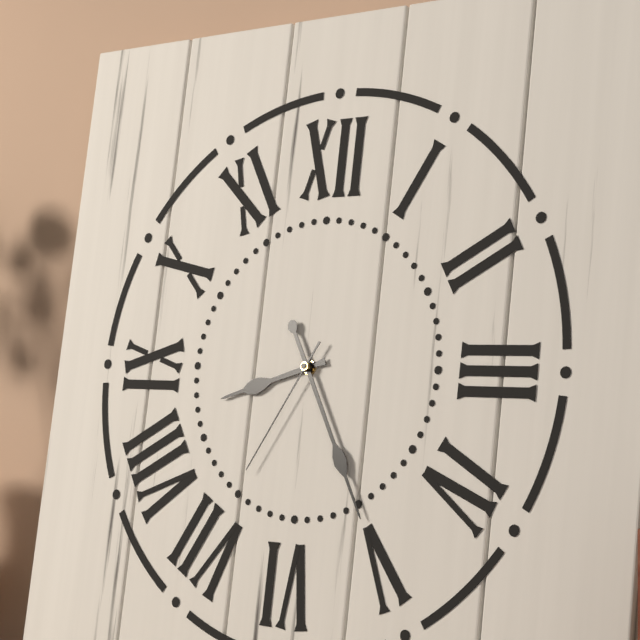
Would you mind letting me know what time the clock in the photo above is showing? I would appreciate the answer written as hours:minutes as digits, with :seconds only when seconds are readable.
8:25:35
